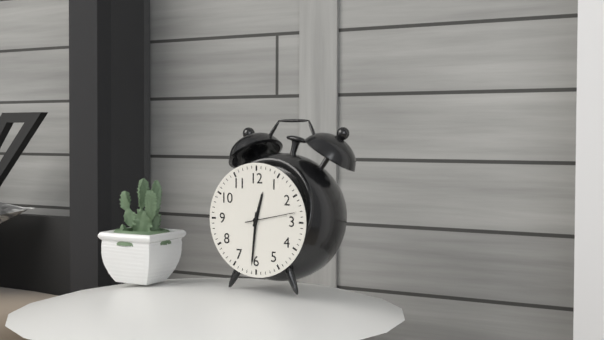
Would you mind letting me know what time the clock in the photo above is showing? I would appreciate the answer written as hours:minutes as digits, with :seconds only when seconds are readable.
12:31:13
